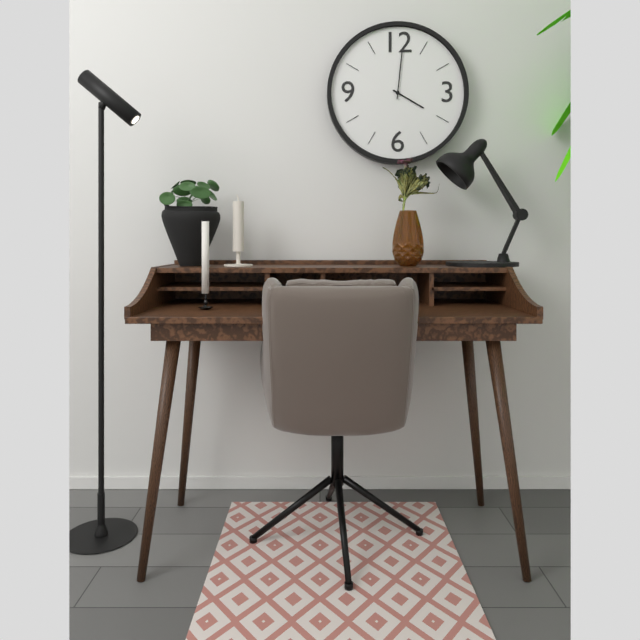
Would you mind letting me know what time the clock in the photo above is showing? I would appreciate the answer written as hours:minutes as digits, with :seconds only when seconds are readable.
4:01
